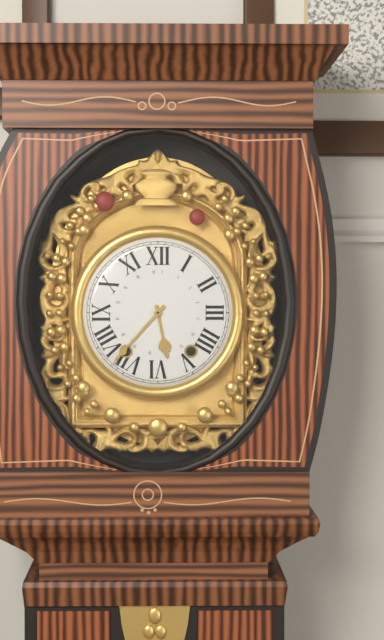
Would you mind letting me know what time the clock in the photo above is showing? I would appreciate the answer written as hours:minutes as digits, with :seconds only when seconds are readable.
5:37
